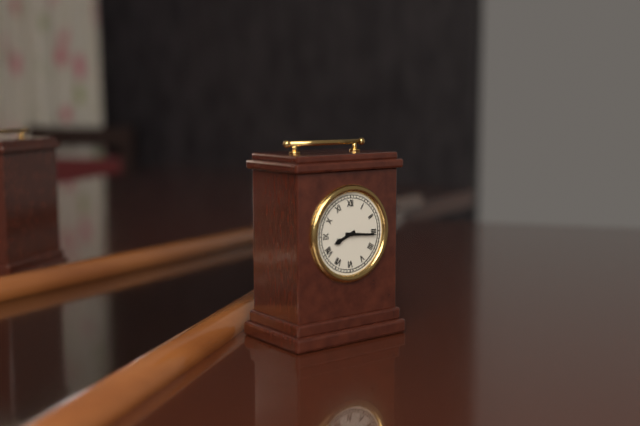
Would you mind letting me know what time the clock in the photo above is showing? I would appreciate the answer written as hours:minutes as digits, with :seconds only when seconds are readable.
8:16
